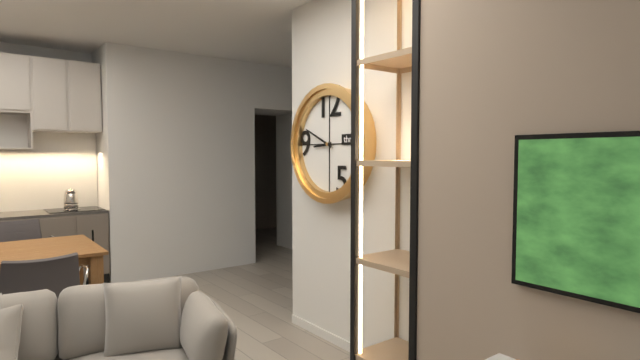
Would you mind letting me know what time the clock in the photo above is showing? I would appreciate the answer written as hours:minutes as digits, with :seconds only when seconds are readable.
8:49
